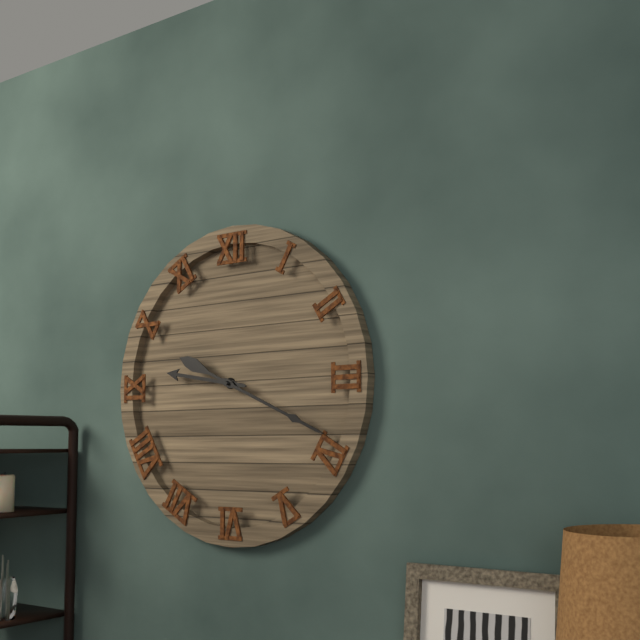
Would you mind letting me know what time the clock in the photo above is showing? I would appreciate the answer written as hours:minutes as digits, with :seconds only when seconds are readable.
9:19
